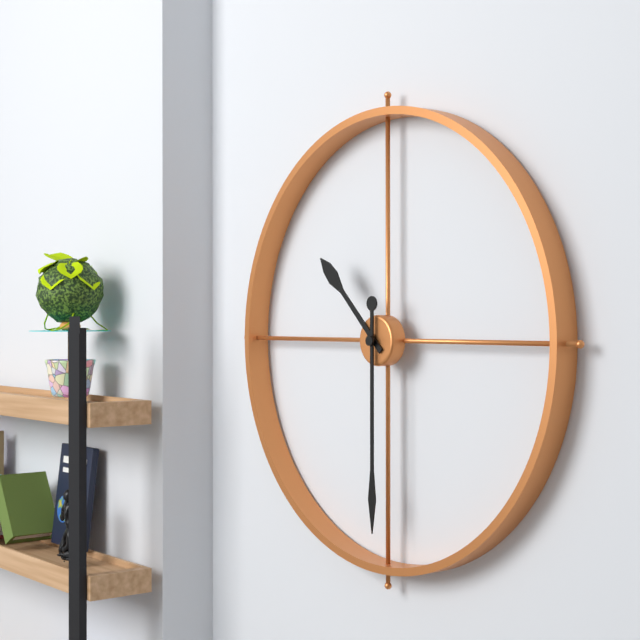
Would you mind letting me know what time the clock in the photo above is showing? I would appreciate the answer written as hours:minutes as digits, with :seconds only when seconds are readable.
10:30
